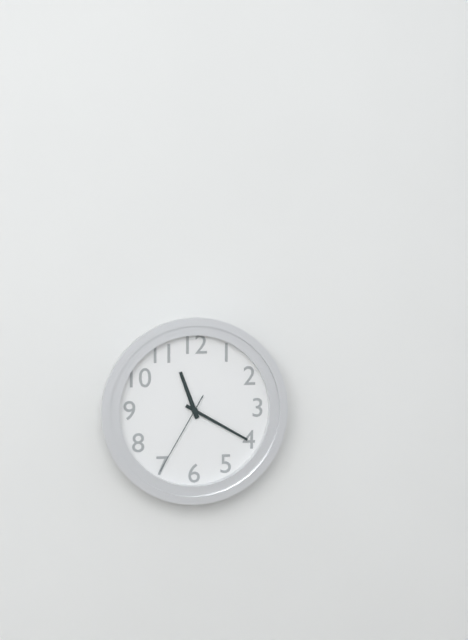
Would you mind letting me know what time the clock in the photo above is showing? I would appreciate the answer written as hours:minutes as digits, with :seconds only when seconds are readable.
11:20:35
